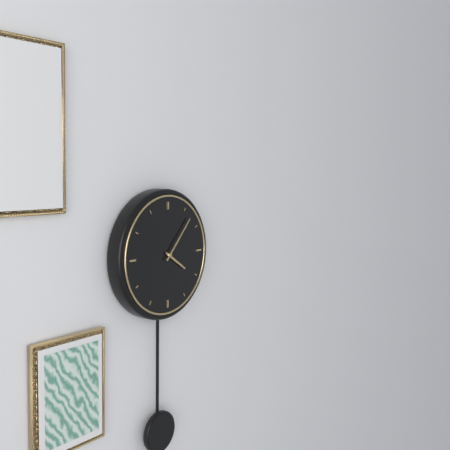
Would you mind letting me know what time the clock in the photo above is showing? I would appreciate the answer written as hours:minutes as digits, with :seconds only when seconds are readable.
4:07
